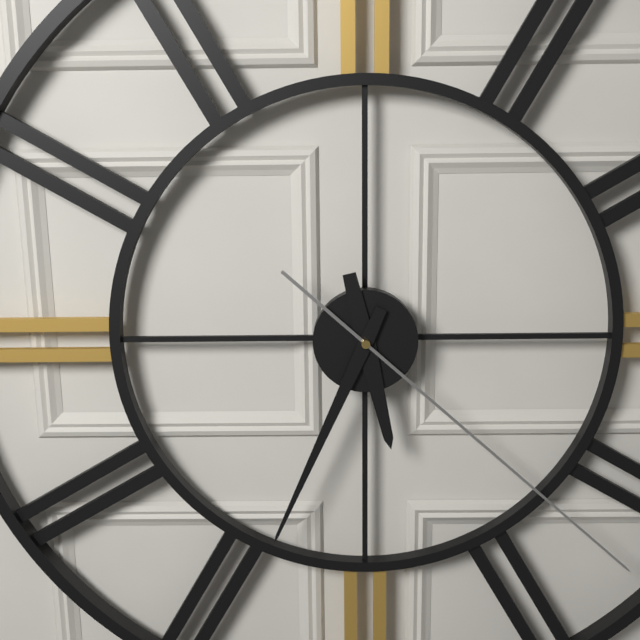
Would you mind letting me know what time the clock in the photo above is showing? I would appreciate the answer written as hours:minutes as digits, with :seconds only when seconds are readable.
5:34:22
